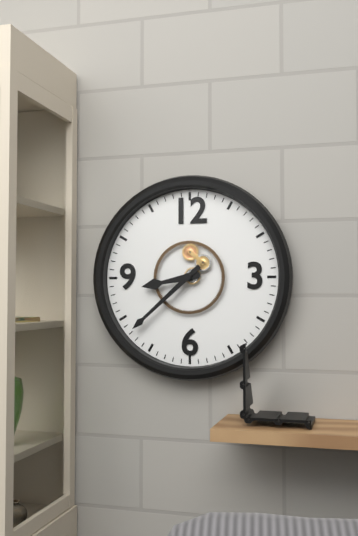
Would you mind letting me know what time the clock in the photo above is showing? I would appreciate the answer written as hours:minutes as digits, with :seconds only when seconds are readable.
8:38
